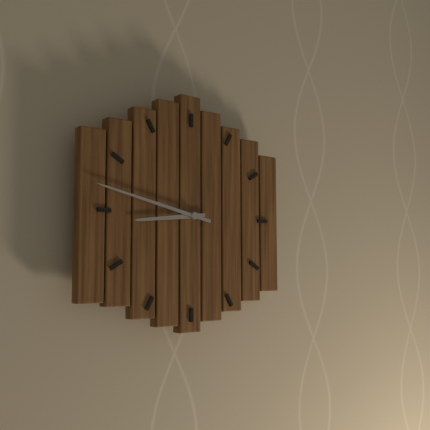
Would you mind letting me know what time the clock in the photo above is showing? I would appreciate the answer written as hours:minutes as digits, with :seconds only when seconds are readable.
8:47
